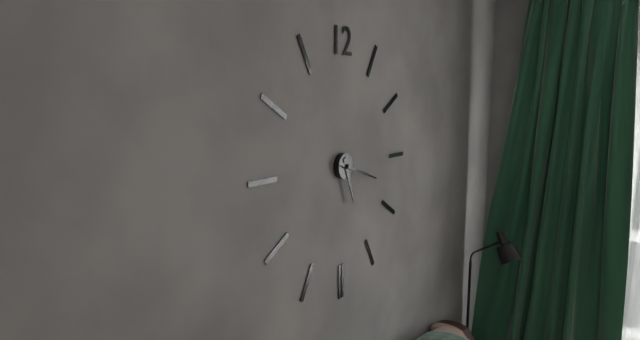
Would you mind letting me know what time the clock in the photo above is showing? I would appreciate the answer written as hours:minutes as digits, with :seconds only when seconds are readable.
5:18
